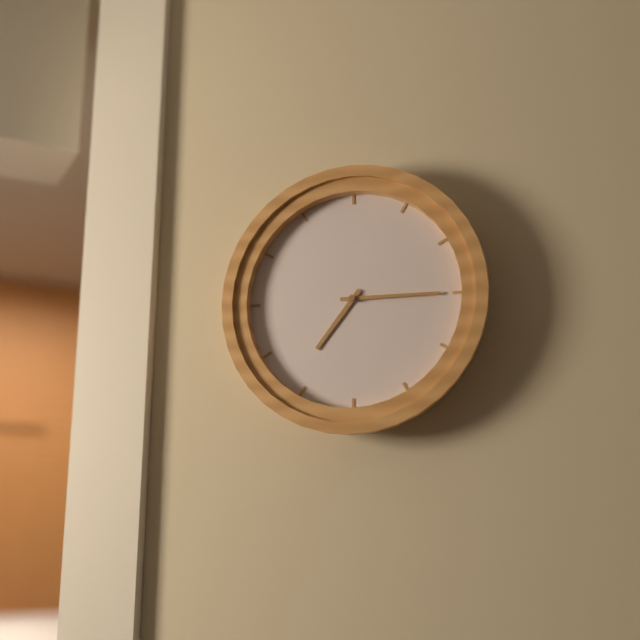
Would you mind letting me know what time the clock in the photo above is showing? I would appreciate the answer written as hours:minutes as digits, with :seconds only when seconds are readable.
7:15
